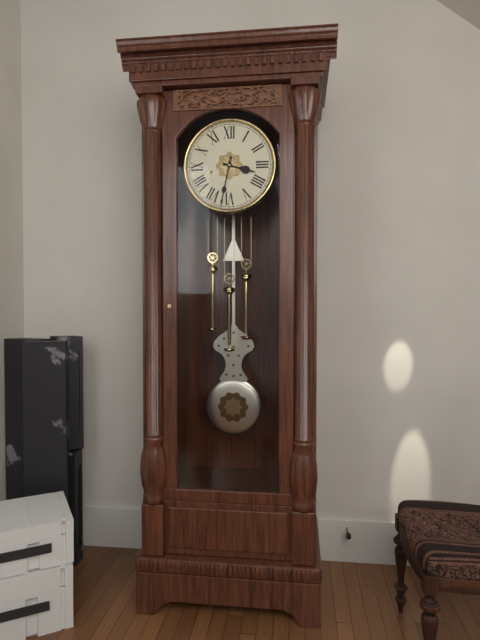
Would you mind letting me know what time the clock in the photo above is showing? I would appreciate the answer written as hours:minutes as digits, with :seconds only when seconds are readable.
3:32
